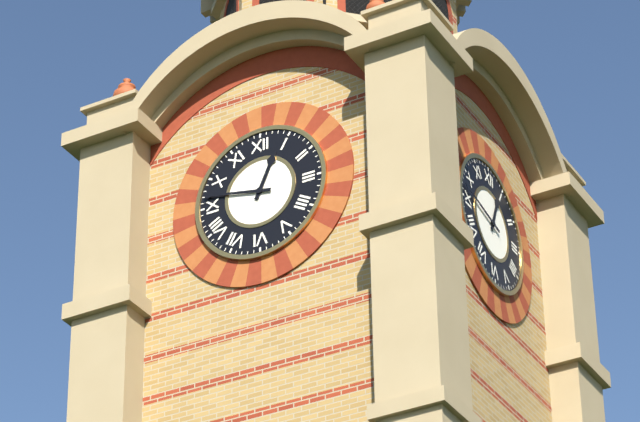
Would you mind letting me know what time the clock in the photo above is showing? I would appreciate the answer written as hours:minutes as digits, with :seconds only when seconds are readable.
12:47
